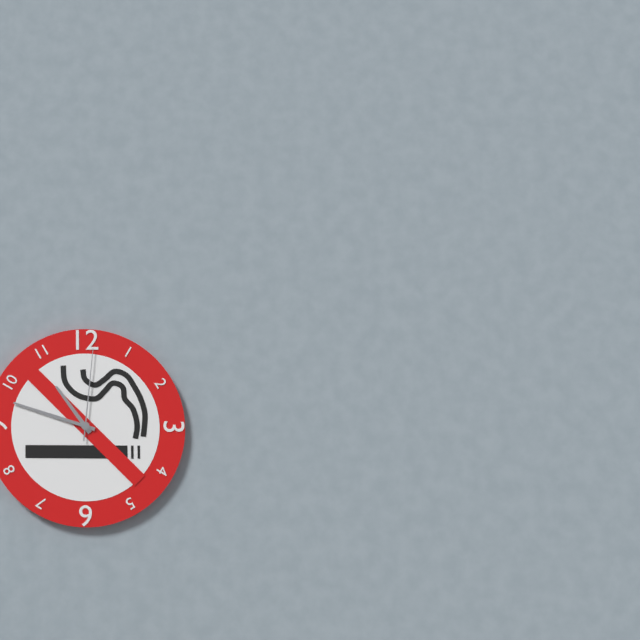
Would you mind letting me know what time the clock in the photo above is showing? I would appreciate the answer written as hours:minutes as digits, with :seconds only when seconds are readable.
10:48:01
